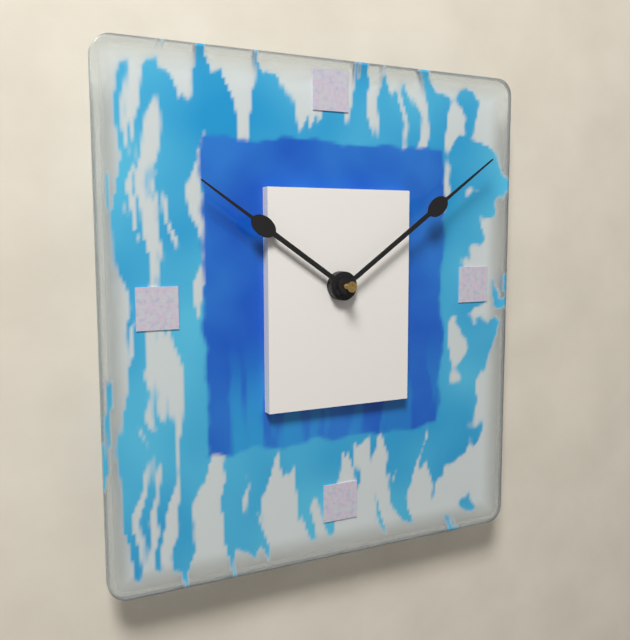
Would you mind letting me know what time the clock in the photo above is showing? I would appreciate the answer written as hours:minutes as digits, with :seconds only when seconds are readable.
10:09
